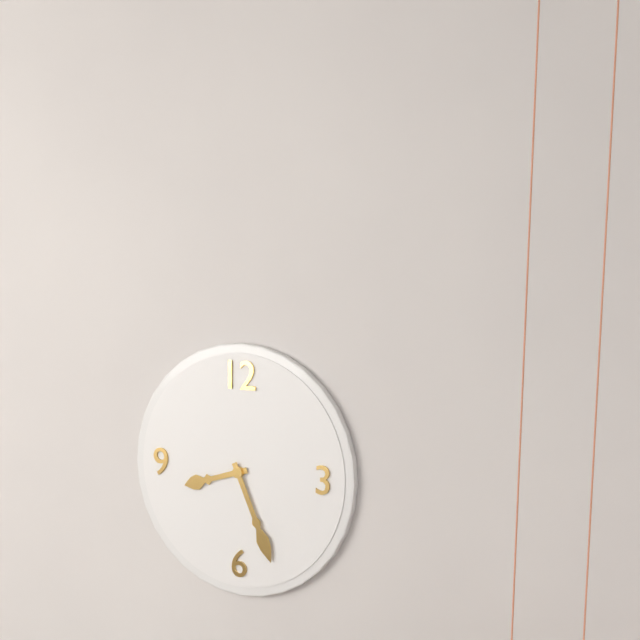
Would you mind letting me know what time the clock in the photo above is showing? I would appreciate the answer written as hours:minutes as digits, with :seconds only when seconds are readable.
8:26
